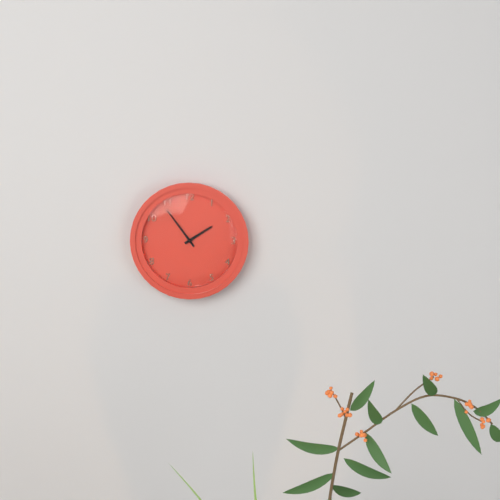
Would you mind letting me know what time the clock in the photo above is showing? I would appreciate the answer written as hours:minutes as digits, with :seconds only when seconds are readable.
1:54
